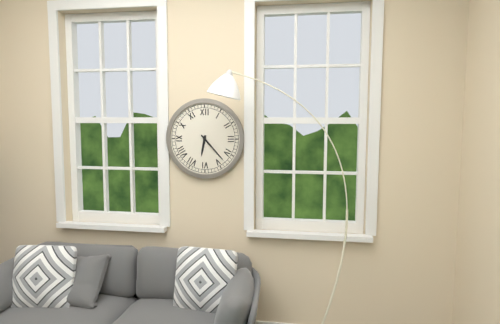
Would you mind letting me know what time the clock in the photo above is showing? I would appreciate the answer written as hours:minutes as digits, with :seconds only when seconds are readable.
6:23
